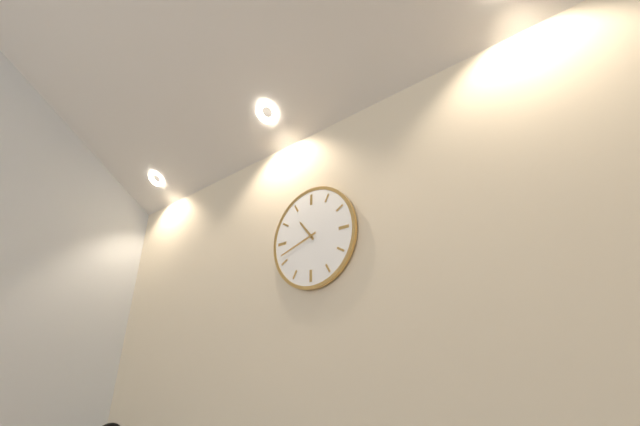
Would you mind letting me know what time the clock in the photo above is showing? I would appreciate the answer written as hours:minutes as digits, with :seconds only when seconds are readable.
10:42
